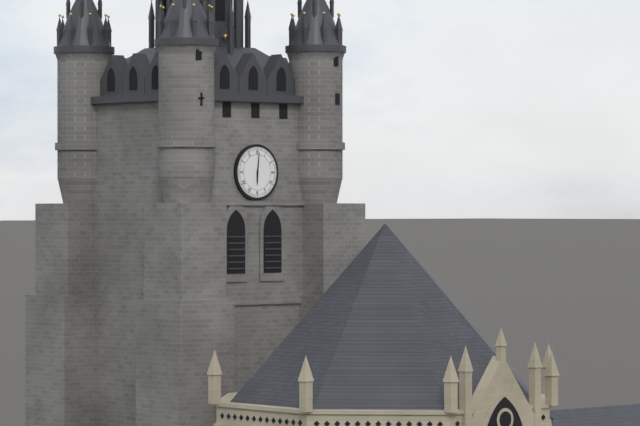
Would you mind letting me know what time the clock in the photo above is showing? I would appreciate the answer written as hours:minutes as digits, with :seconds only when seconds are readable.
6:01
